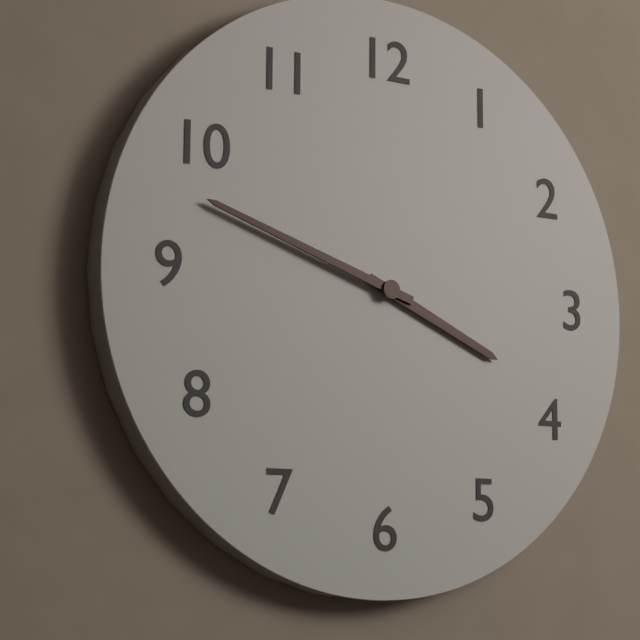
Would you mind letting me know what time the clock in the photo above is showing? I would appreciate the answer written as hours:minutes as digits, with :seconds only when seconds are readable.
3:48
